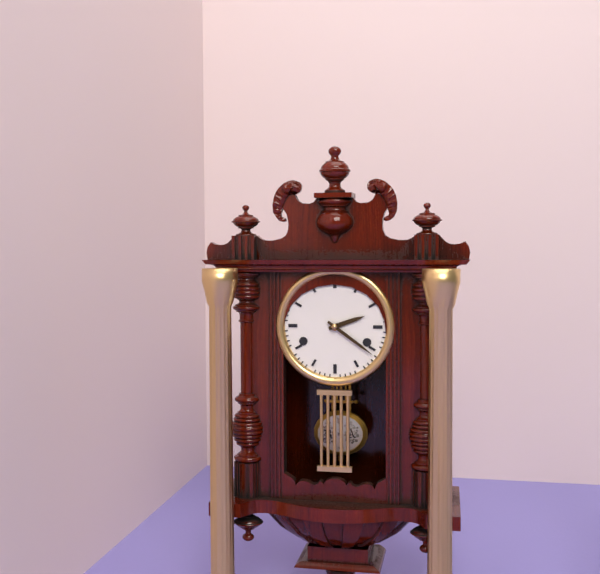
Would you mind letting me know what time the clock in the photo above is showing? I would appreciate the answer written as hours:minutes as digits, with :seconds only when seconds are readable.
2:21
